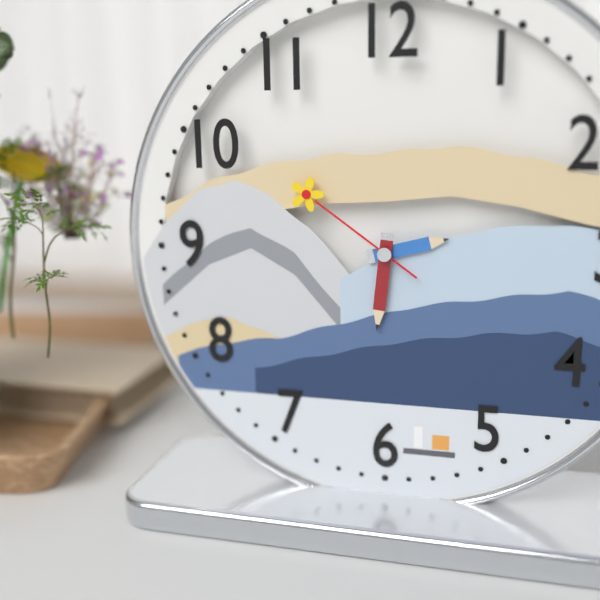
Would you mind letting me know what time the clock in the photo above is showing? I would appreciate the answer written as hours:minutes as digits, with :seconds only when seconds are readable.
2:31:51
